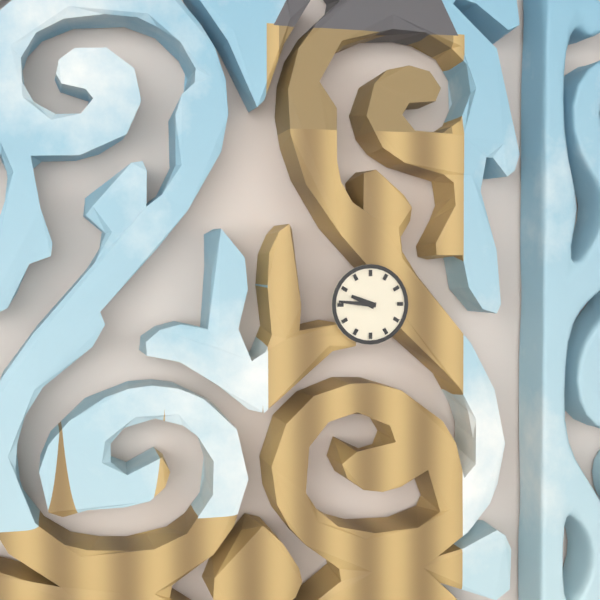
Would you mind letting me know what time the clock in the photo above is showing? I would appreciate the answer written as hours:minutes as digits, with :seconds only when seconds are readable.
9:46
